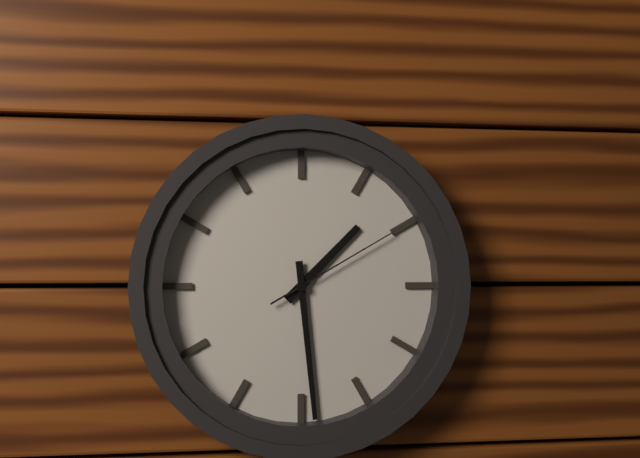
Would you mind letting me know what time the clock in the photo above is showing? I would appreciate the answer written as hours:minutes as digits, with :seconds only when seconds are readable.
1:29:10
